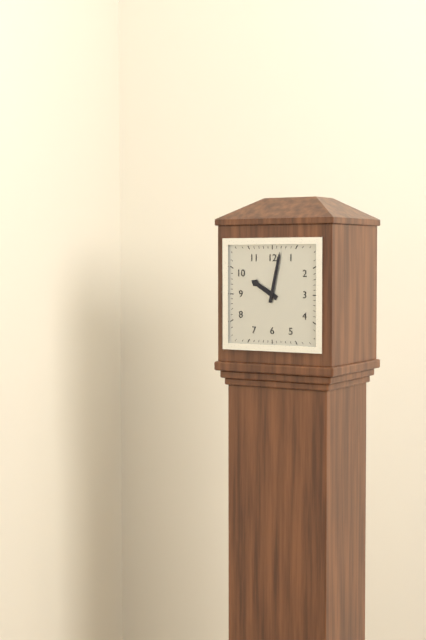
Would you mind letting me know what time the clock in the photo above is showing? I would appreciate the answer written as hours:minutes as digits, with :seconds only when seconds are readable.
10:02
